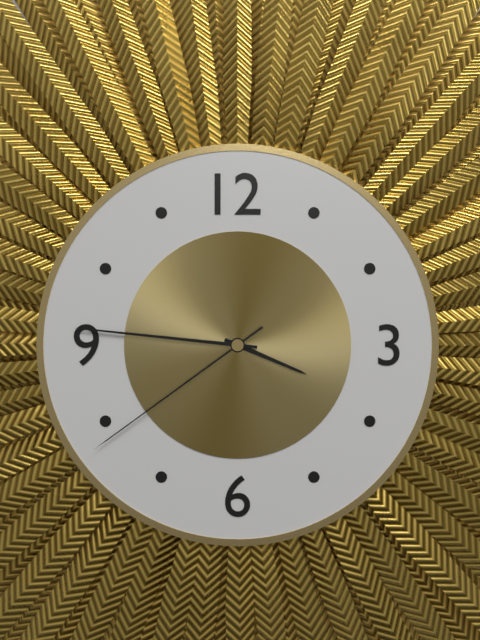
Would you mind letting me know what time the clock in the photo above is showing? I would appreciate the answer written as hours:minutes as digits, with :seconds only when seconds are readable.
3:46:39
